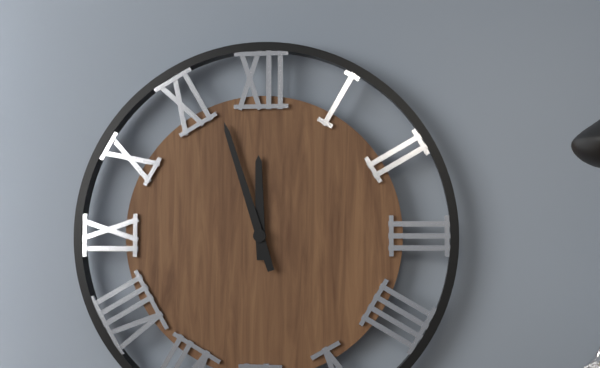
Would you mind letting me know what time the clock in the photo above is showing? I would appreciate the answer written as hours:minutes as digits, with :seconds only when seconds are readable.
11:57
